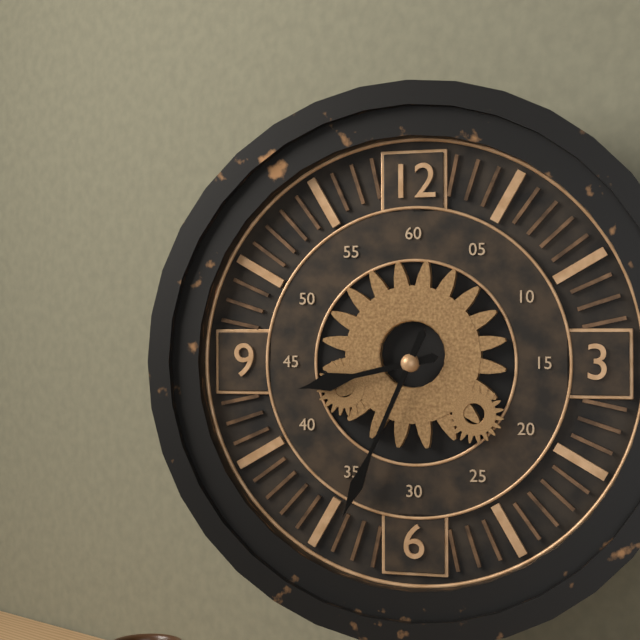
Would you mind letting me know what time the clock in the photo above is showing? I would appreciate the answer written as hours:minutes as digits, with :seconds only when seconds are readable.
8:34
